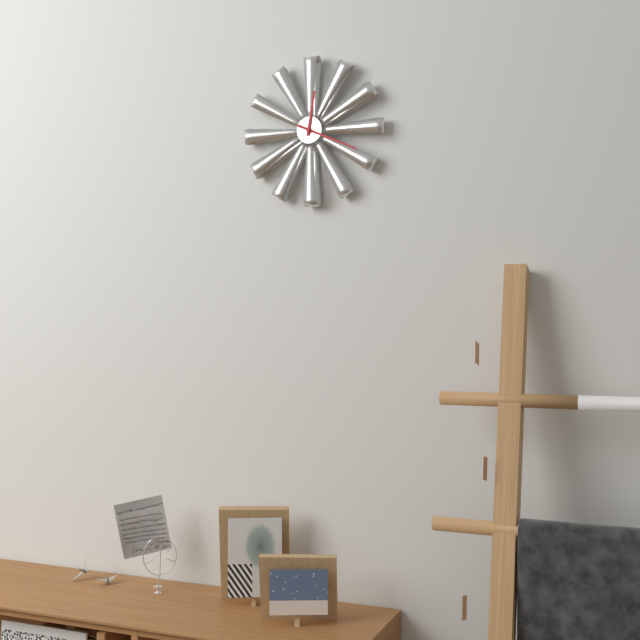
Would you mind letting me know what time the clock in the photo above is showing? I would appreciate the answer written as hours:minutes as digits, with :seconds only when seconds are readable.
12:19
